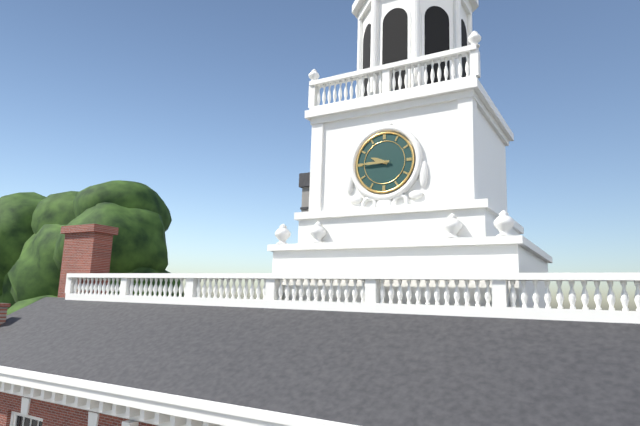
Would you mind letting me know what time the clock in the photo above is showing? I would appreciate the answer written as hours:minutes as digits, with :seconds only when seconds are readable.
9:45
